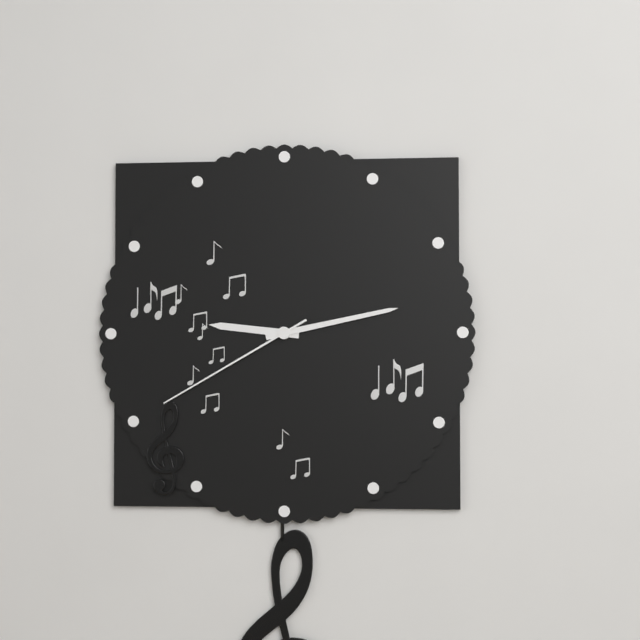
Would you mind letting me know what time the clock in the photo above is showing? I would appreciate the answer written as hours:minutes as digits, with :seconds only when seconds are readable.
9:13:40
